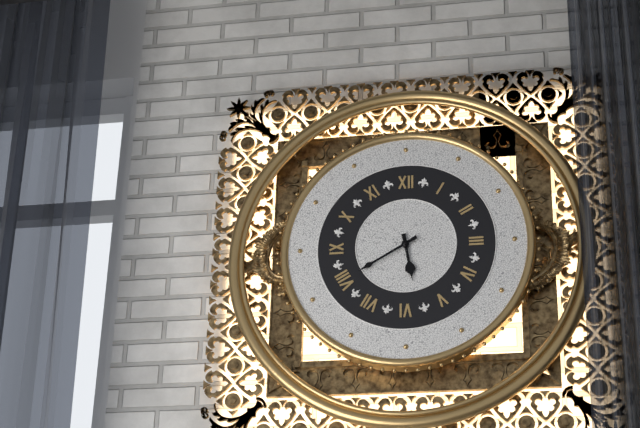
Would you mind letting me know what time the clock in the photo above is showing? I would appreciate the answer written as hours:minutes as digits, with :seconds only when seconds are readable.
5:40
